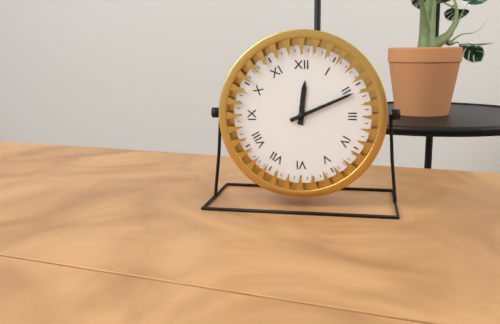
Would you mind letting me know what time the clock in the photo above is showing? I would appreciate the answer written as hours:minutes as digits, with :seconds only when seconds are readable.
12:11
